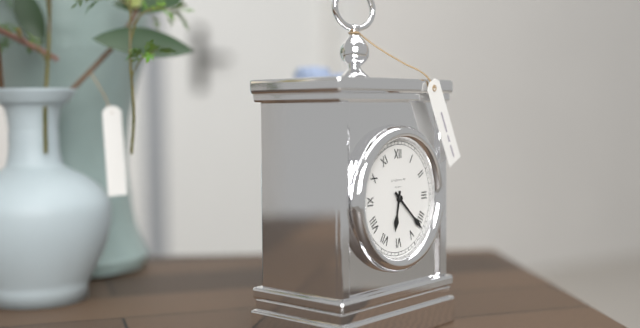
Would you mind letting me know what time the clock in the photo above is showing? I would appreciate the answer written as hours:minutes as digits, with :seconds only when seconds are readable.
6:22
